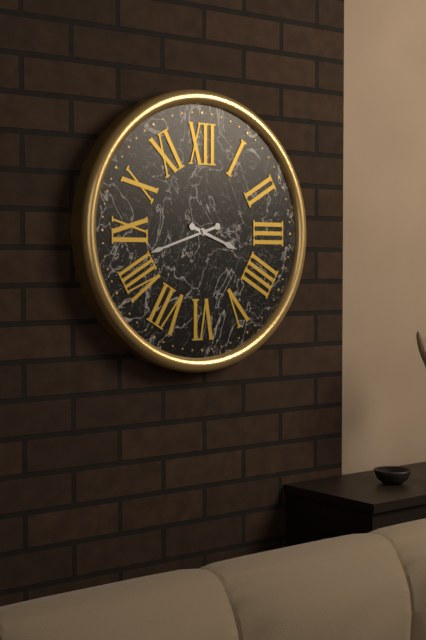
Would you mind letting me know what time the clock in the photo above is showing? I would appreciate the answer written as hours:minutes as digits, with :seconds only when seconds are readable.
3:42
